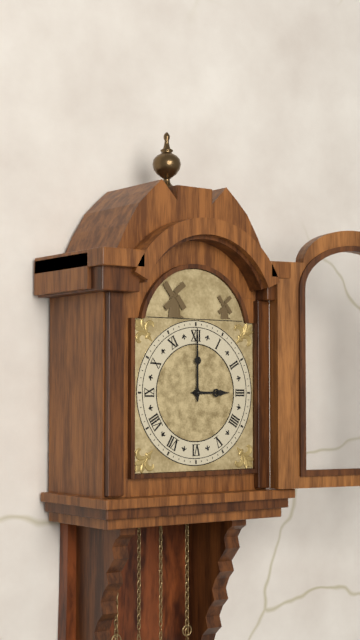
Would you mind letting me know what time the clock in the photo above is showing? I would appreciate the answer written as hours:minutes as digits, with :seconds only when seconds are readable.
3:00
